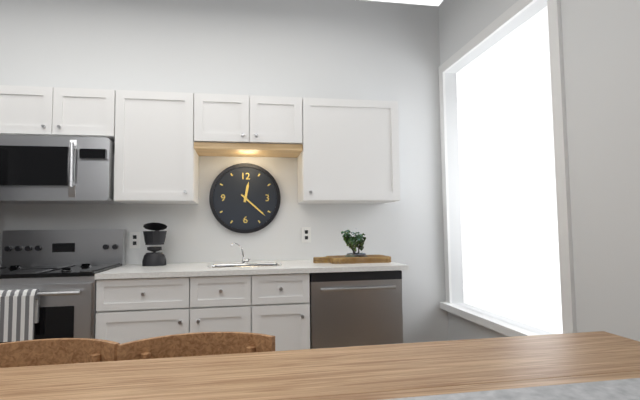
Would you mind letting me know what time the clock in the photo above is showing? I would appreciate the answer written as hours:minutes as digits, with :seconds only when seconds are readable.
12:22
